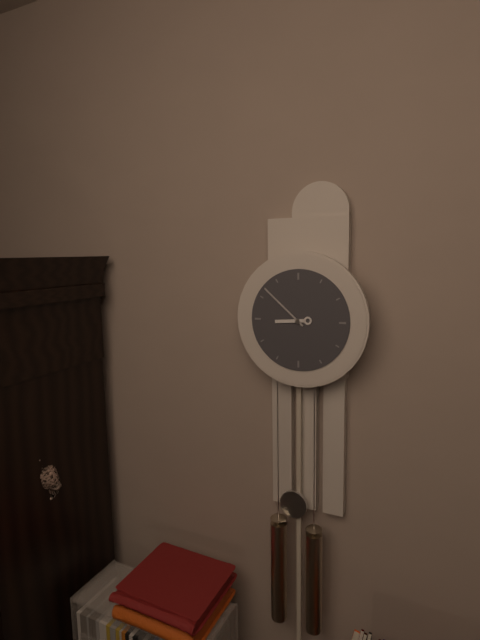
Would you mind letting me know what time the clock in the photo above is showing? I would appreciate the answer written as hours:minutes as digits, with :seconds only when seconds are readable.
8:52
